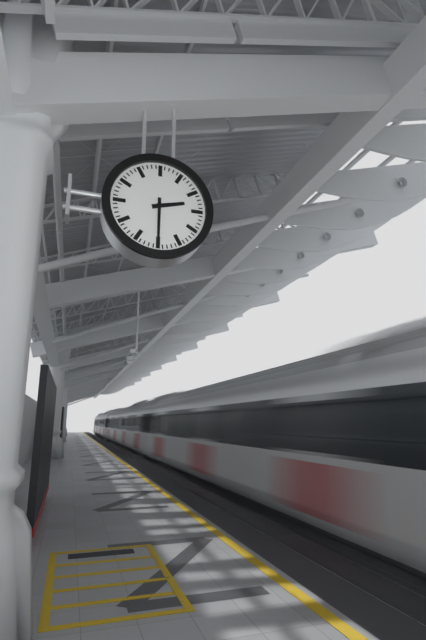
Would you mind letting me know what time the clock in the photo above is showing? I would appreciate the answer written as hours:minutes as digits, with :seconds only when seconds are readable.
2:30
